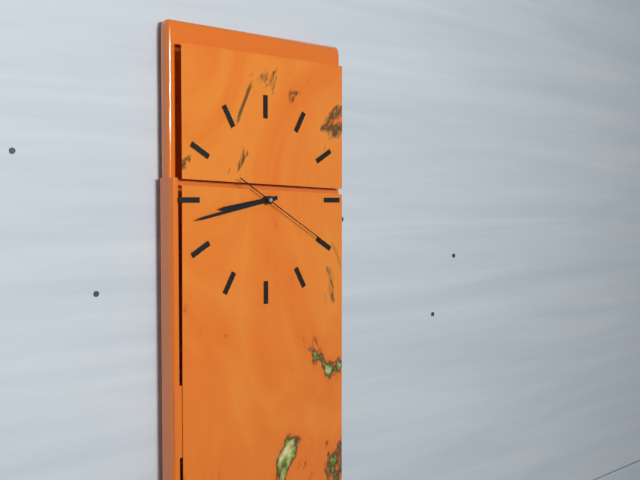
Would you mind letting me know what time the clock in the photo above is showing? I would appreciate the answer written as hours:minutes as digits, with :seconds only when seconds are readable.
8:43:20
